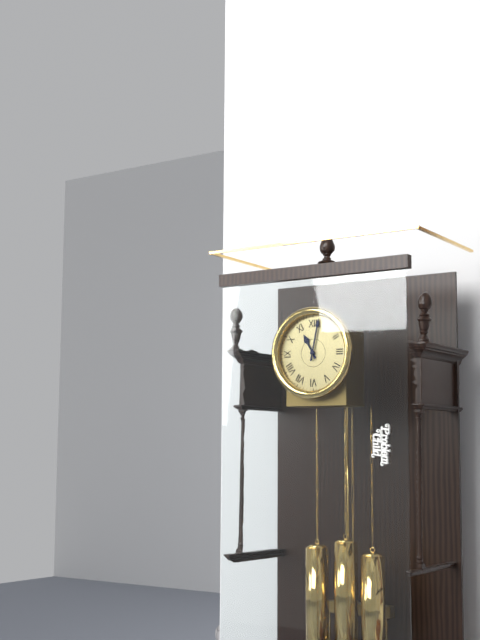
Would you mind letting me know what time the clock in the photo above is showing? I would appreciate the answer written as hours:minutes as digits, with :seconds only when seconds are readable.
11:02
